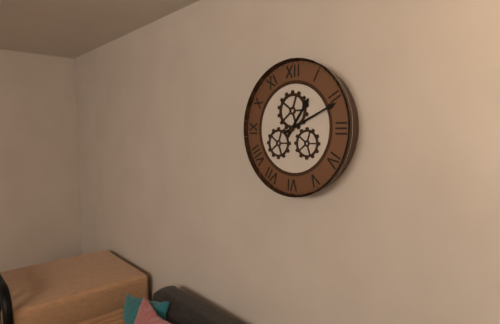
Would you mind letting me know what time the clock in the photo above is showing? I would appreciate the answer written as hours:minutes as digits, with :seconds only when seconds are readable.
1:11
